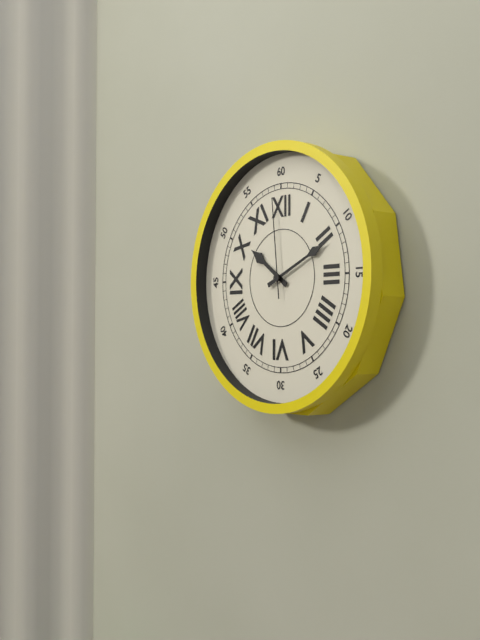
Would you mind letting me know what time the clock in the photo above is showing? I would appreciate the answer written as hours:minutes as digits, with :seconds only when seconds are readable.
10:11:59
